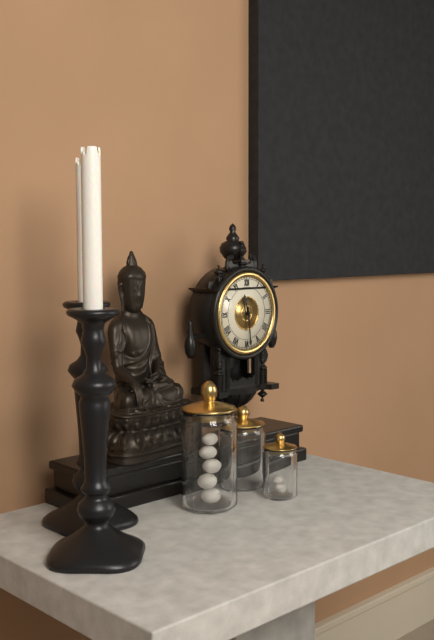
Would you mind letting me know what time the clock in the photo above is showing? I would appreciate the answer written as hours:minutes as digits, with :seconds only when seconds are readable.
11:29
